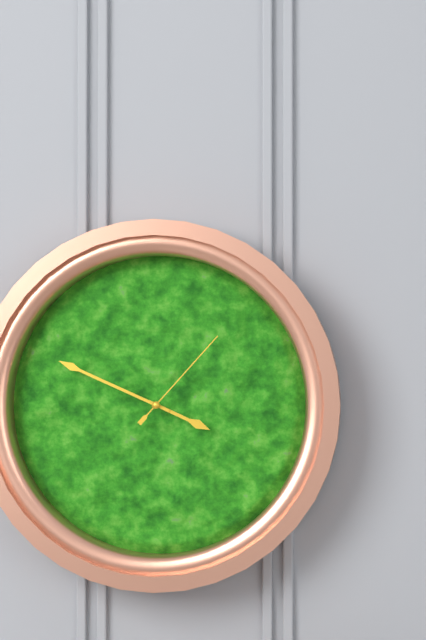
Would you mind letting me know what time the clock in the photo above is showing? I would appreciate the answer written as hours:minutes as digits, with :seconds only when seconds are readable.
3:49:07
